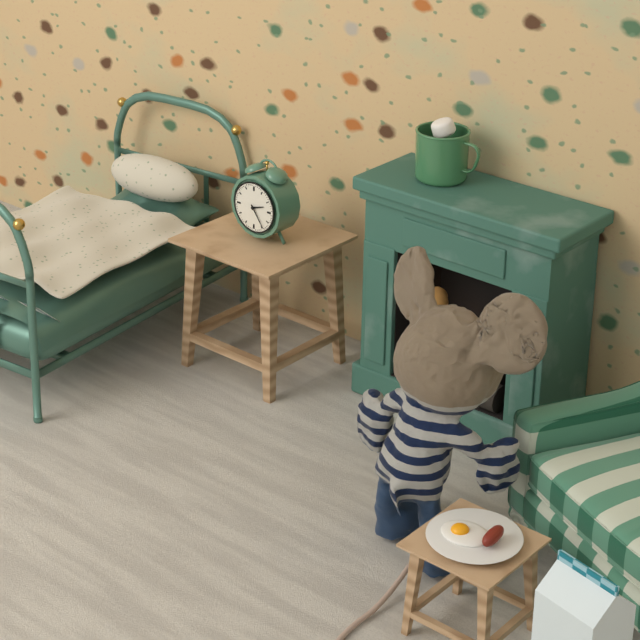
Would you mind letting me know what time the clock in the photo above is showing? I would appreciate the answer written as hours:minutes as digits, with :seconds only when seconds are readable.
2:24
